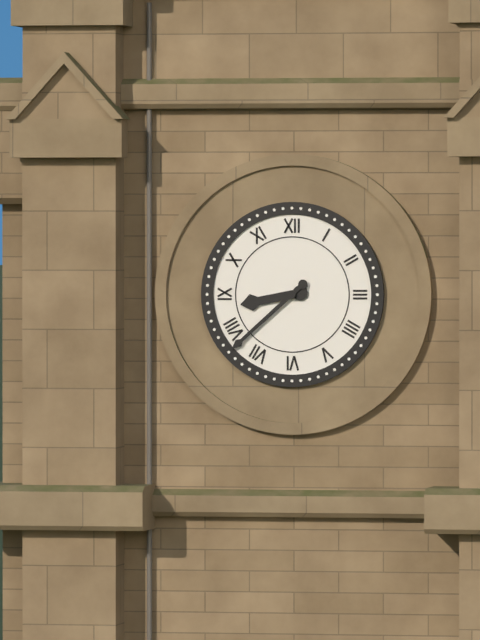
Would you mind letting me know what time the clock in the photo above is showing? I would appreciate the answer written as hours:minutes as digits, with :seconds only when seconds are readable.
8:38
